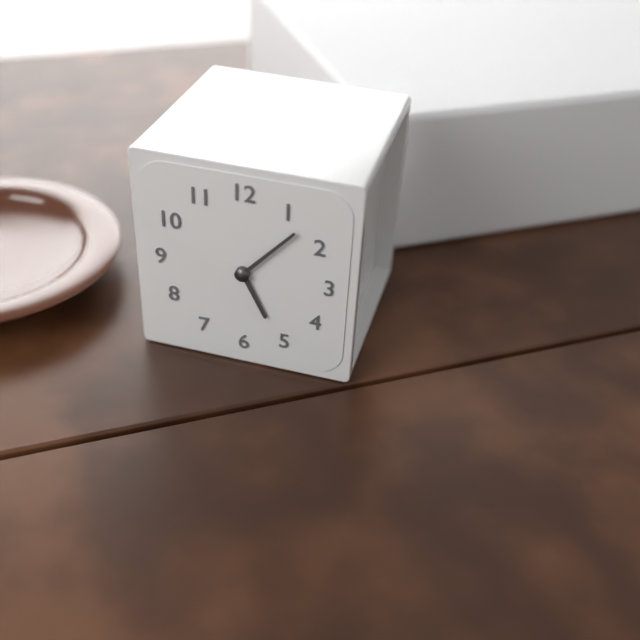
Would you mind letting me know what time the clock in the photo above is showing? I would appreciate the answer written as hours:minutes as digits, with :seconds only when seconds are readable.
5:07
